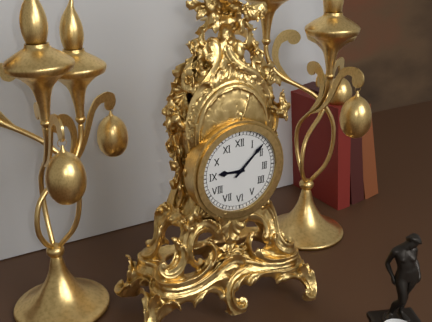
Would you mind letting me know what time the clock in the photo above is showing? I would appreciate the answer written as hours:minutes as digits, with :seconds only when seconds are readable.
9:08
